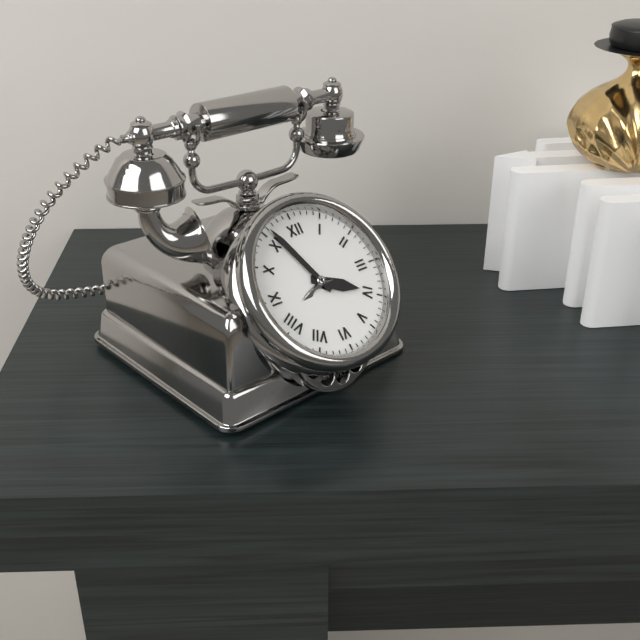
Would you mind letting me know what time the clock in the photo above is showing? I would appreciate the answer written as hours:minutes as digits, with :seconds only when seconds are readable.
3:56
